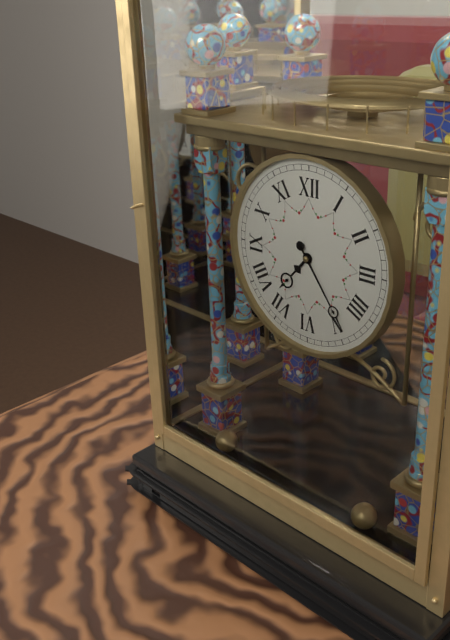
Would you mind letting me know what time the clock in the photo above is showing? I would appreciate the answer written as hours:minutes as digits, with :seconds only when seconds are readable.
7:24
